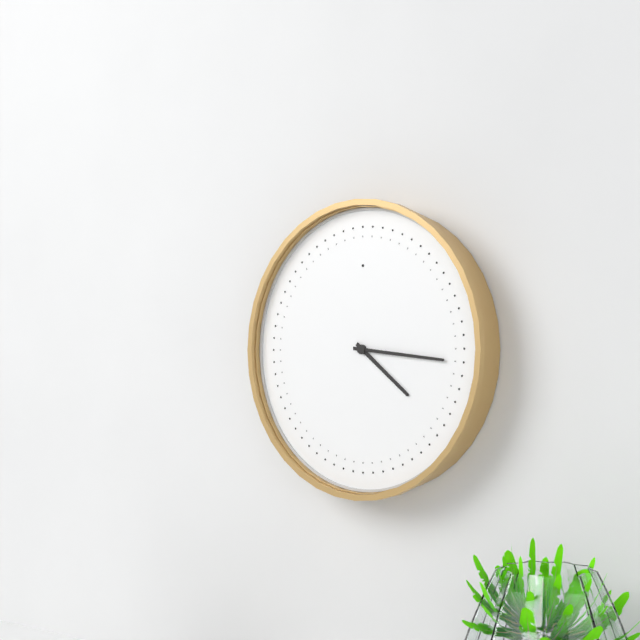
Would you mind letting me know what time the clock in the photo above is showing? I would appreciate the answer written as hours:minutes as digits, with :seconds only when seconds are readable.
4:16
